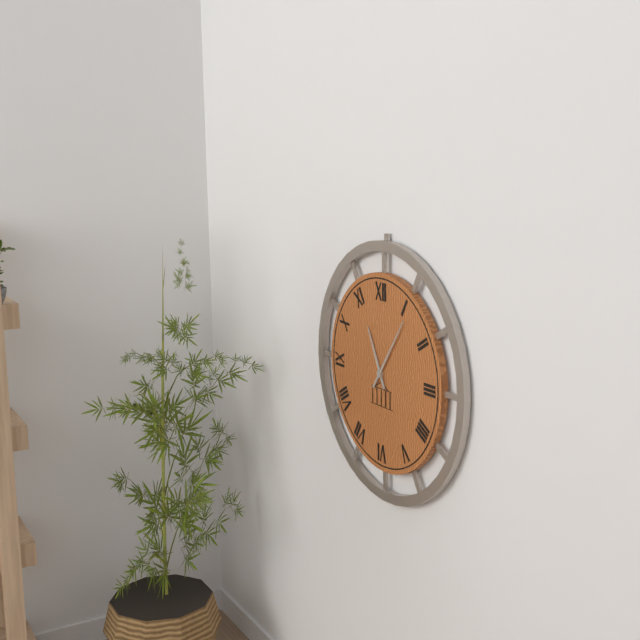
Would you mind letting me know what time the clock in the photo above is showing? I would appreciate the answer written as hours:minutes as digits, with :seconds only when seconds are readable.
11:06
